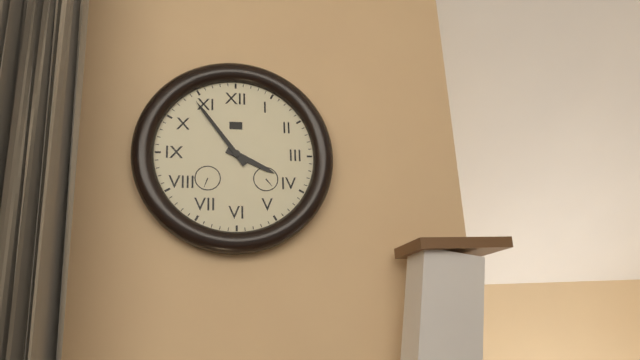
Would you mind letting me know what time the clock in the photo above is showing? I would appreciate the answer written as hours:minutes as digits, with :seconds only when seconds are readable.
3:54
